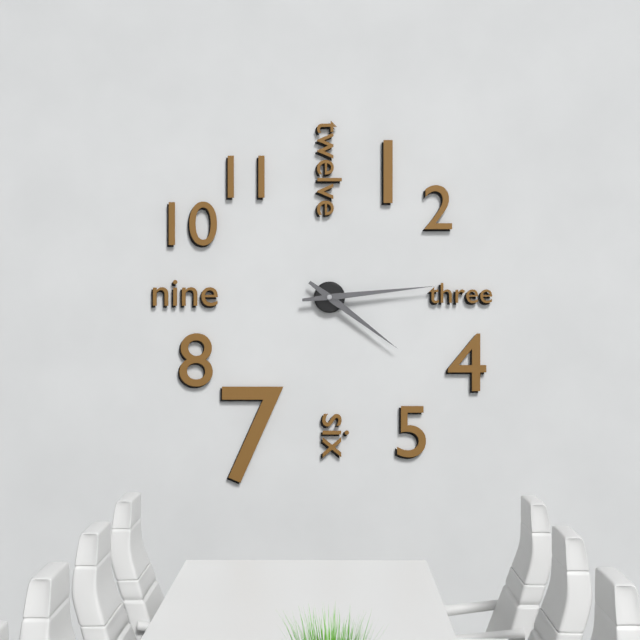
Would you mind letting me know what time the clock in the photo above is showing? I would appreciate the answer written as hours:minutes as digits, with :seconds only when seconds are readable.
4:14
